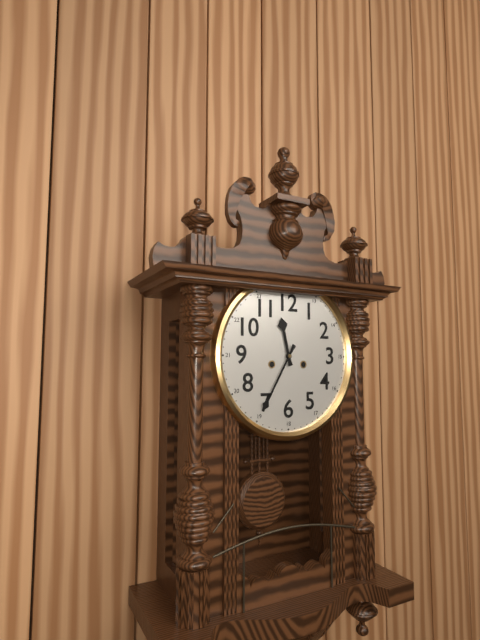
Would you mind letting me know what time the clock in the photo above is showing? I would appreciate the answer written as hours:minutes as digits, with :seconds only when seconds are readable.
11:35
